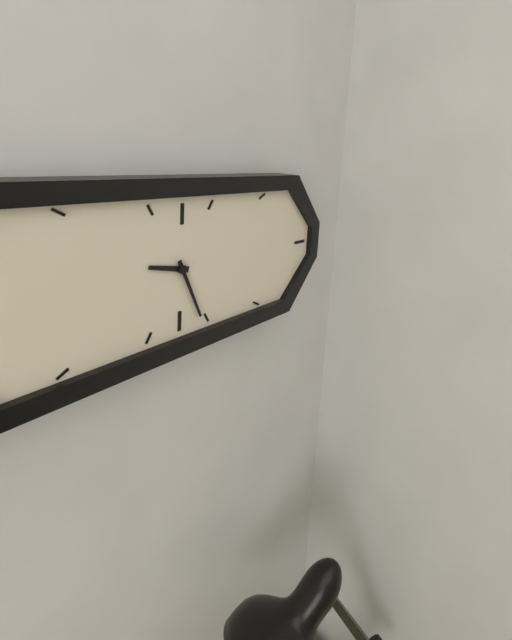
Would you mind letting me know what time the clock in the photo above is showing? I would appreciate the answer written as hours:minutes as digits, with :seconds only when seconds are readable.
9:26
